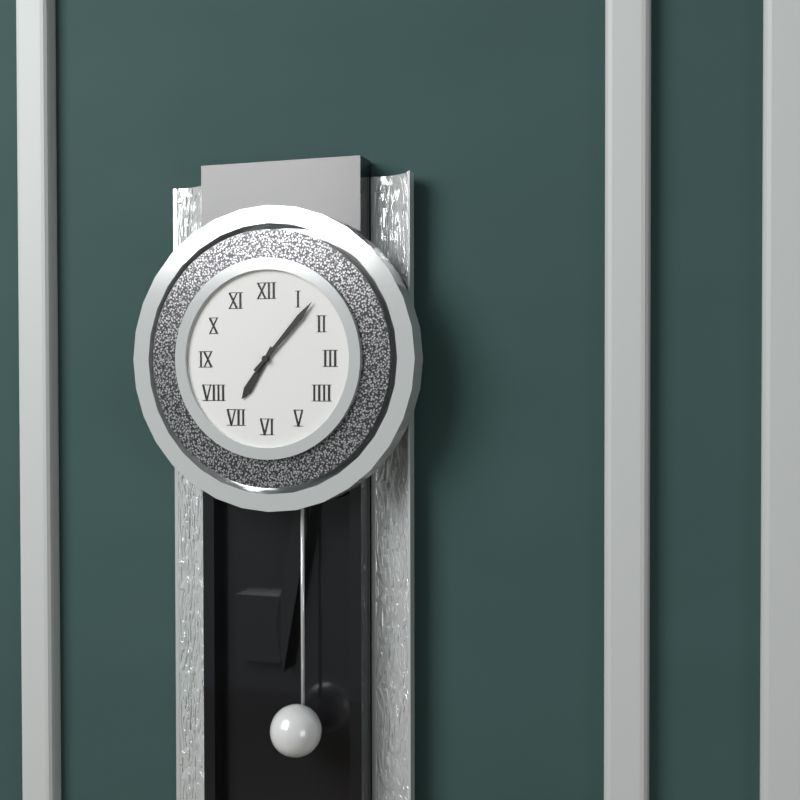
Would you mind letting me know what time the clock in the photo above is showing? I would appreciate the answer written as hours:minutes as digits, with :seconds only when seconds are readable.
7:07
